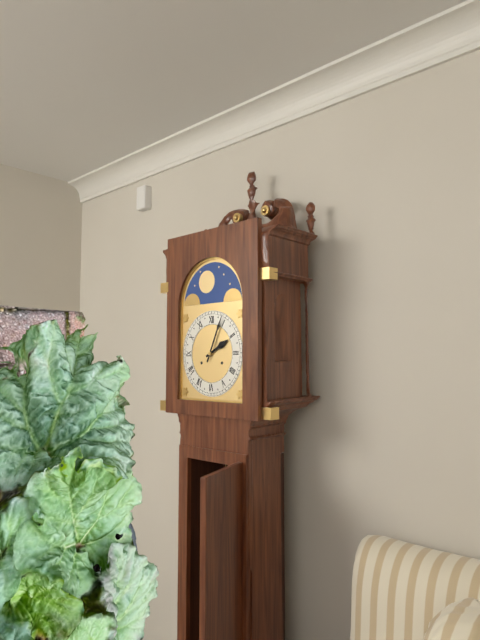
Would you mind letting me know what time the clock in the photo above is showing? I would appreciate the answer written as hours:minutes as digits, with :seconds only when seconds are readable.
2:04
